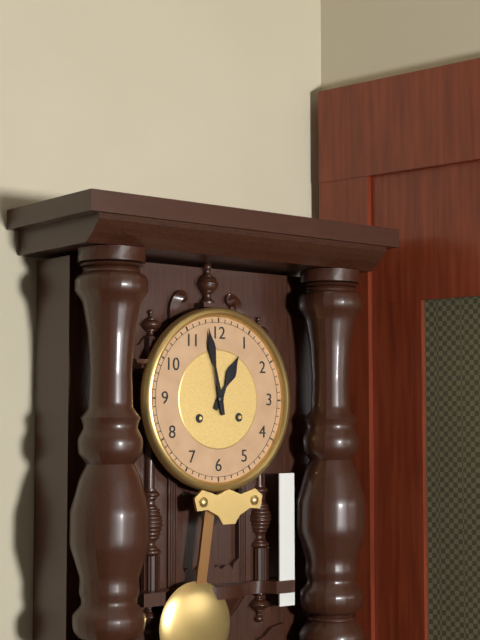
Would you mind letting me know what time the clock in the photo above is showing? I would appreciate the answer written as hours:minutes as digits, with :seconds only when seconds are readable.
12:58
